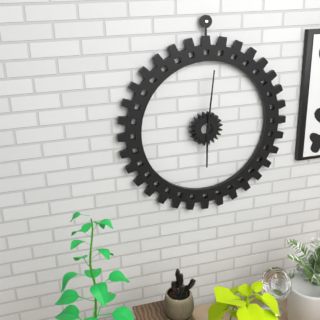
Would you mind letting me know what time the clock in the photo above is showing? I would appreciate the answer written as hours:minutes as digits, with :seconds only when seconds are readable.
6:01
